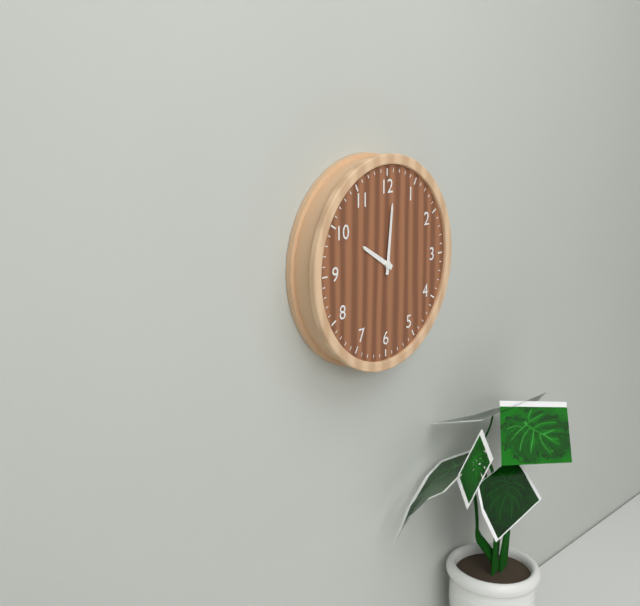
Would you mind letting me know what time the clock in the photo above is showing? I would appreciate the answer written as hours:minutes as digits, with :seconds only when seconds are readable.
10:01
